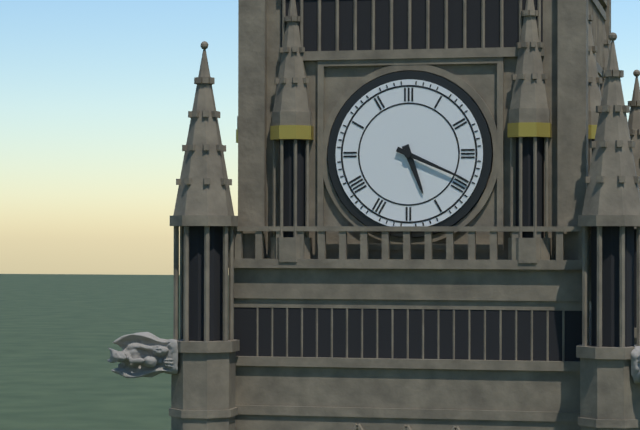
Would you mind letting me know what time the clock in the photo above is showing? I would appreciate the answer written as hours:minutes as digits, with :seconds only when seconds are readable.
5:19
